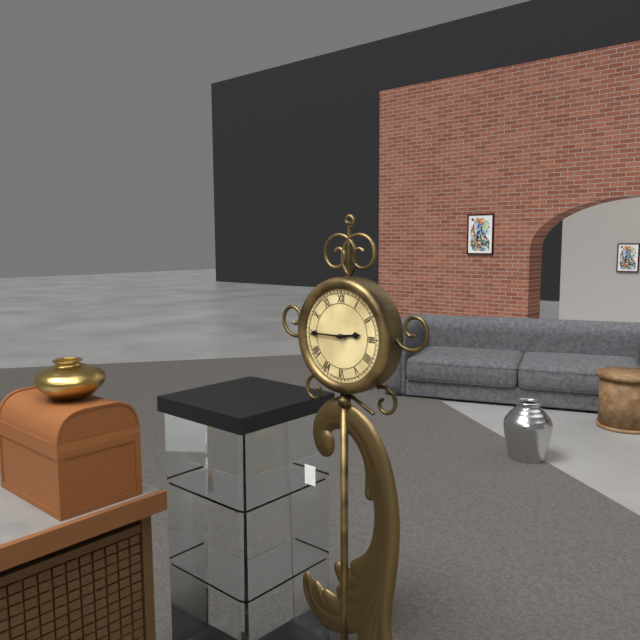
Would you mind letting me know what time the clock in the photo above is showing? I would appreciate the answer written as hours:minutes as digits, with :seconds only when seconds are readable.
2:45
